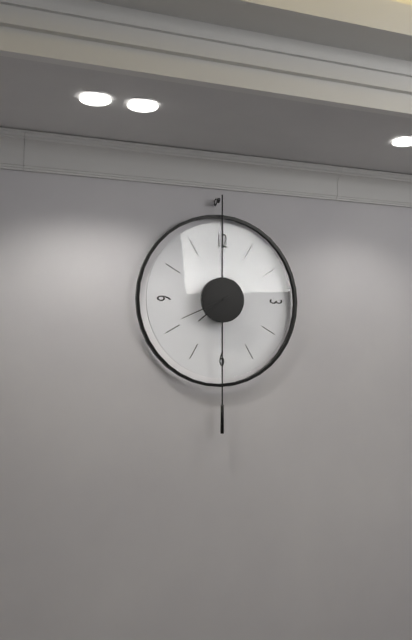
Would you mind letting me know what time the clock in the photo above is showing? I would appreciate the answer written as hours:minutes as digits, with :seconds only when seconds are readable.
7:41
